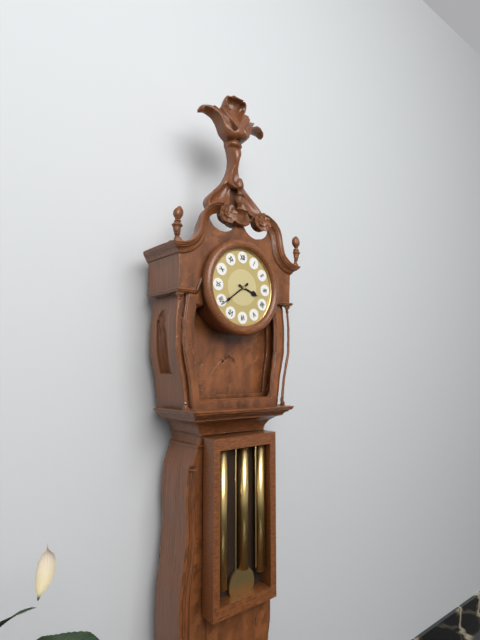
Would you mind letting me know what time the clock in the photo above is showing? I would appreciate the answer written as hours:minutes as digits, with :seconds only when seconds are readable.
3:39
